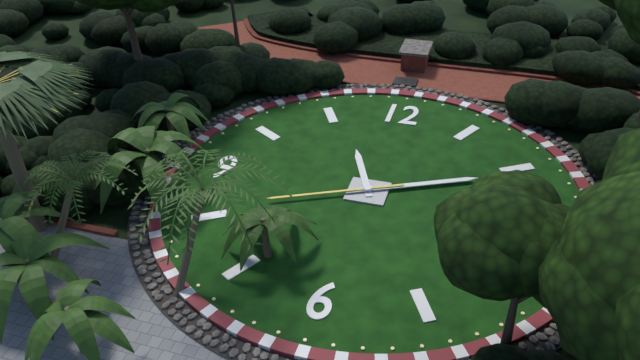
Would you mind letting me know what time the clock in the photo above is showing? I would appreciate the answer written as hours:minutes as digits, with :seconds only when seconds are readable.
11:11:41
